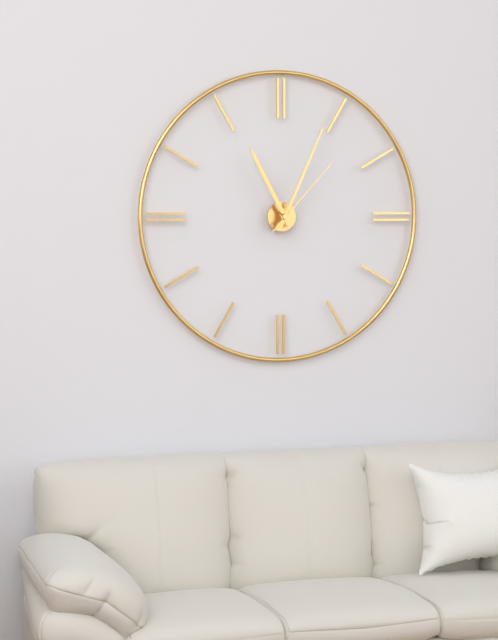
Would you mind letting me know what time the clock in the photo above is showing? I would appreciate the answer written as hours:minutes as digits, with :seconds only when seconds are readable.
11:04:07
